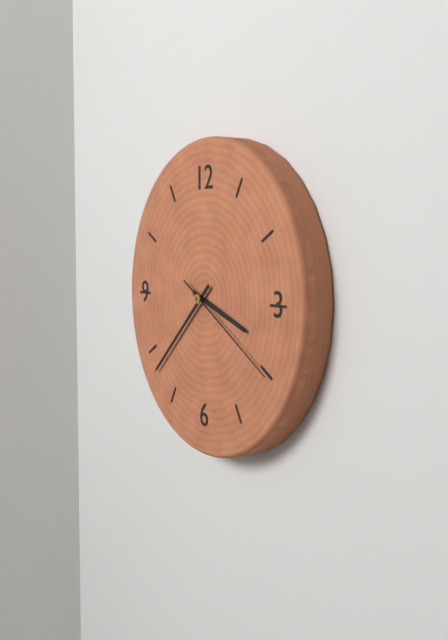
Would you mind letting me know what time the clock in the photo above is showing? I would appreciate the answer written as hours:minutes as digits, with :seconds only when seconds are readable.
3:38:20
